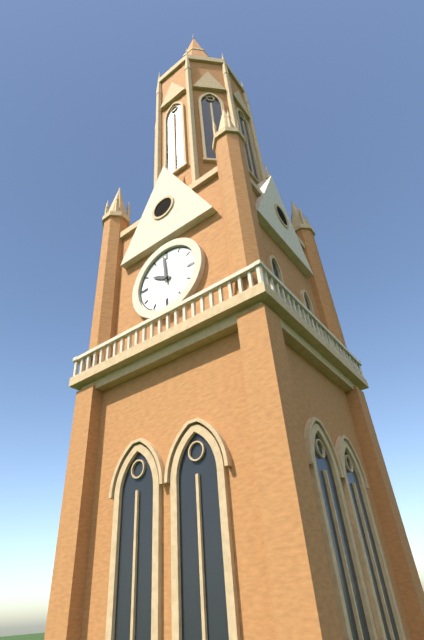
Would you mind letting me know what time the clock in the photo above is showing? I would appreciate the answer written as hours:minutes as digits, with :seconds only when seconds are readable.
9:59
